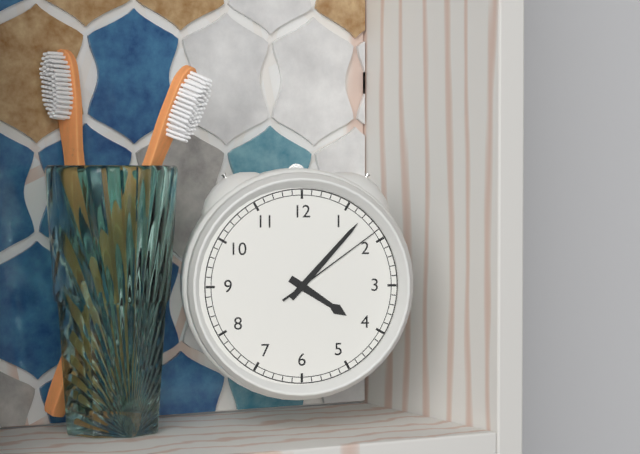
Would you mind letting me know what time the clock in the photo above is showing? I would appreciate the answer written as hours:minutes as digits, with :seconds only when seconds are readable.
4:07:09
